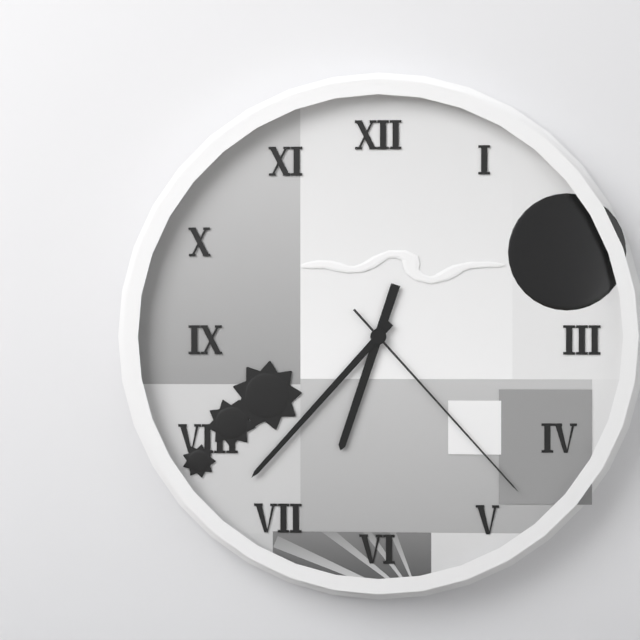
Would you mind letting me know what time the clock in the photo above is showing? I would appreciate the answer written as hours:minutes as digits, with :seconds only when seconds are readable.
6:37:23
